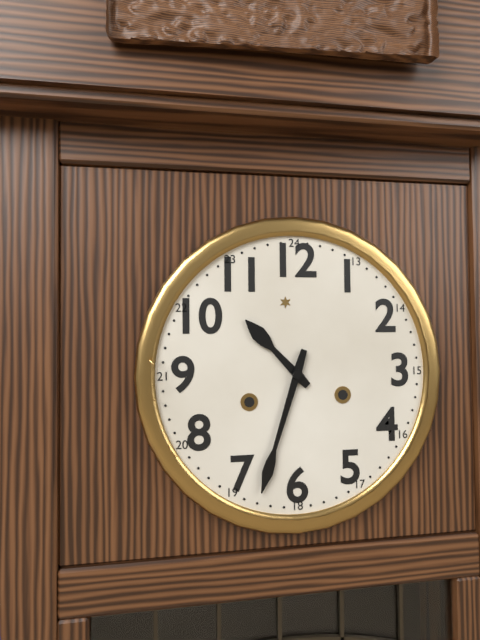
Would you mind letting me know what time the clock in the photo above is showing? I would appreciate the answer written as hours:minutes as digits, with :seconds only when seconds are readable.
10:33
